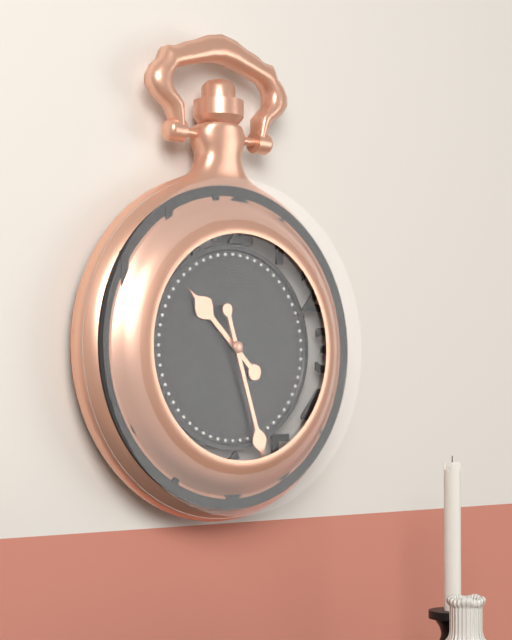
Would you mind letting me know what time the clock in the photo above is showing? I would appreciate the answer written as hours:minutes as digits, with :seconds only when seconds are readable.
10:27
